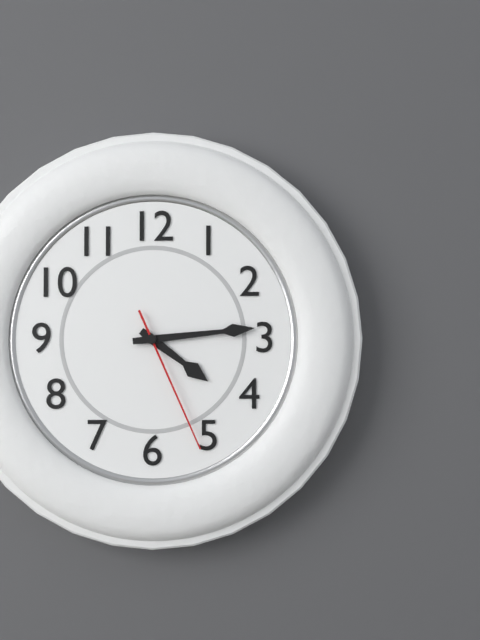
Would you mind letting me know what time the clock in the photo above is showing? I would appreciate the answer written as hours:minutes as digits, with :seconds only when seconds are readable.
4:14:26
